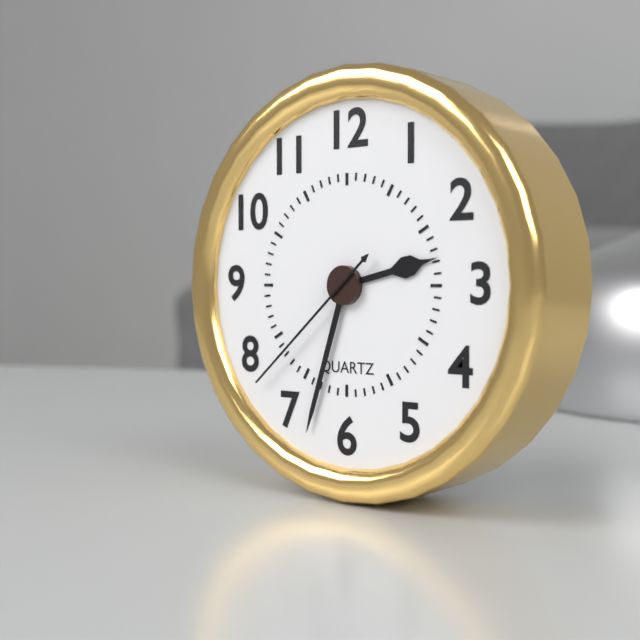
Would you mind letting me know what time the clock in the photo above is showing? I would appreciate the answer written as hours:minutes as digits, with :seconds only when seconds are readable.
2:33:38
